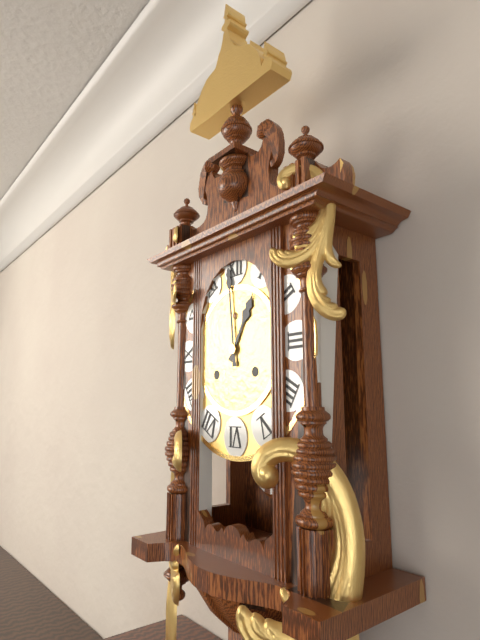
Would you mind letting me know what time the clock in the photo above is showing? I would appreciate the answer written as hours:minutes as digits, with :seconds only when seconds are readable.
12:59
